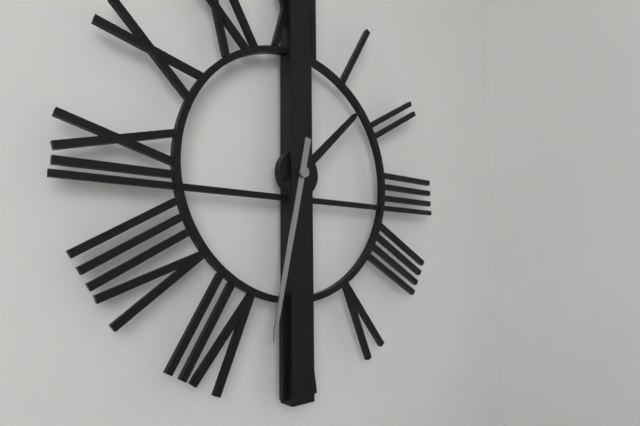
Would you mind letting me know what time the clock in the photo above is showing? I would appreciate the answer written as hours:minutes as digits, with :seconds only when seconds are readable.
1:32
